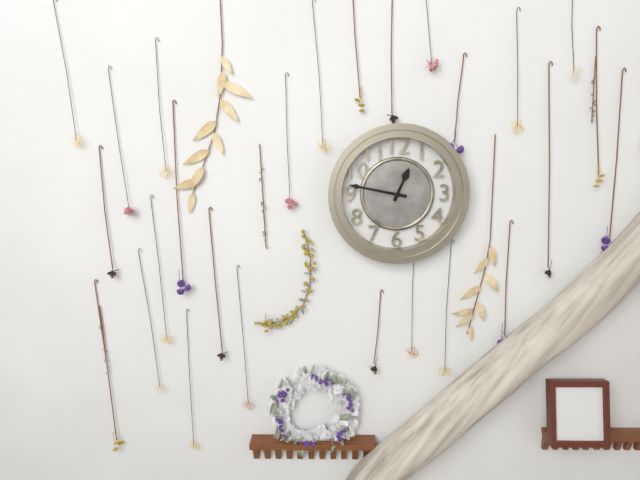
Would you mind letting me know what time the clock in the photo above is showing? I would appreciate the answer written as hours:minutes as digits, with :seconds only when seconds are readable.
12:47
